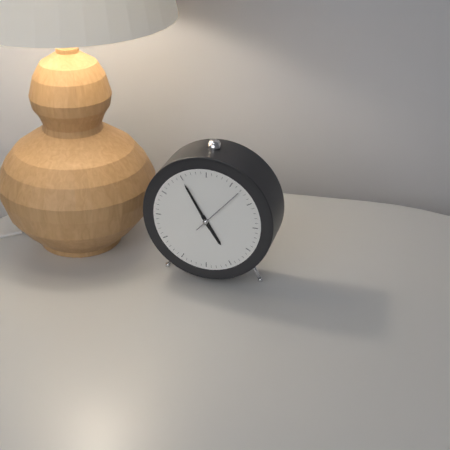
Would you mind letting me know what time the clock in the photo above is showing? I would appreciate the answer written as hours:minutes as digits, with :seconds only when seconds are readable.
4:55:07
